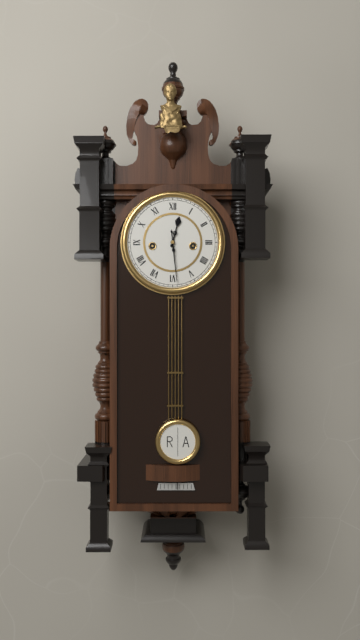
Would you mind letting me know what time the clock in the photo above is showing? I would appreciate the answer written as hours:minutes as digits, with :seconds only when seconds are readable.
12:29
